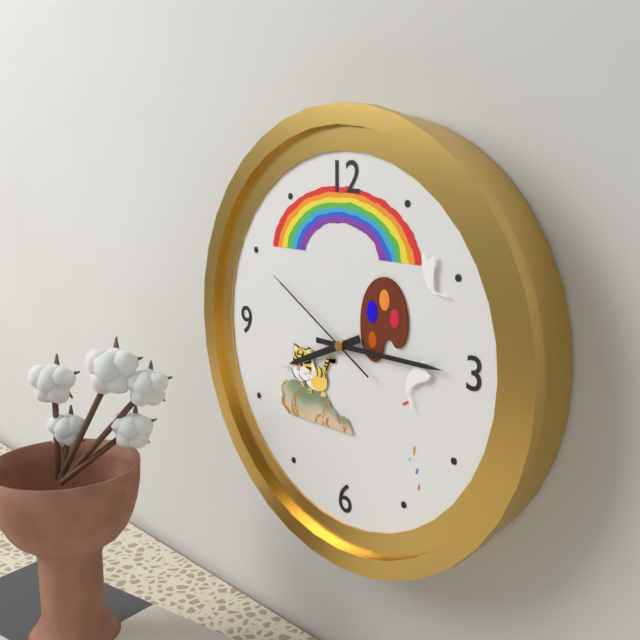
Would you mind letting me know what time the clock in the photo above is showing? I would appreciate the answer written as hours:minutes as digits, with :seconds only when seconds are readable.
8:15:50
